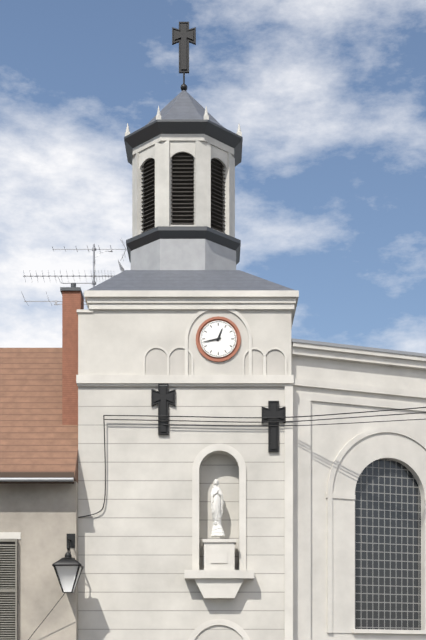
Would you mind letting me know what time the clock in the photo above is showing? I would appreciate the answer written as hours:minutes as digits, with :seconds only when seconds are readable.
12:43
